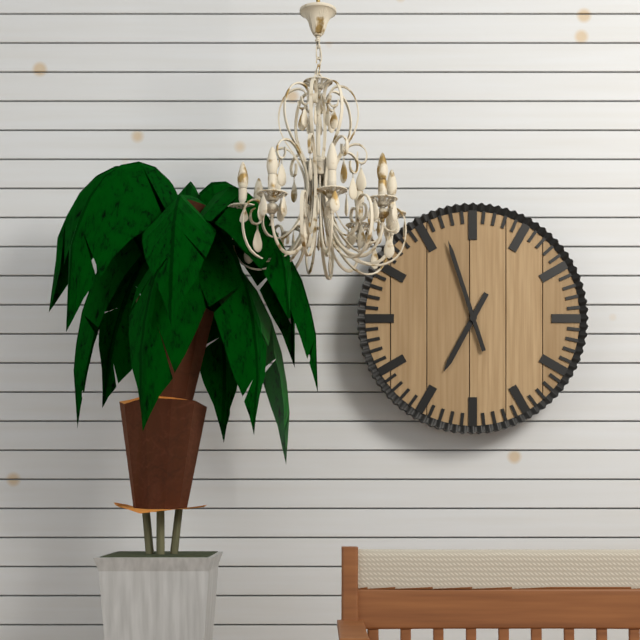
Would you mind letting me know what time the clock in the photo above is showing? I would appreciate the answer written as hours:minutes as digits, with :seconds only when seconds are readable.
6:57
